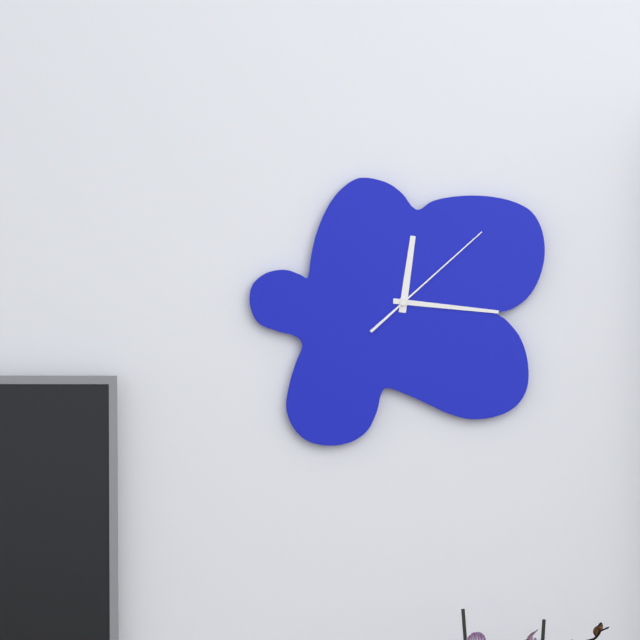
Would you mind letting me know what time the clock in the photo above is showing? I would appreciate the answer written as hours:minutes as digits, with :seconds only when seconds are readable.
12:16:08
